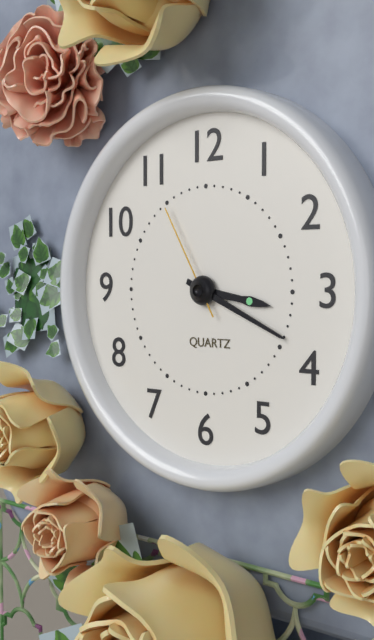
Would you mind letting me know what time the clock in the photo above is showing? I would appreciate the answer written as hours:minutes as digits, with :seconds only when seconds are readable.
3:19:55
